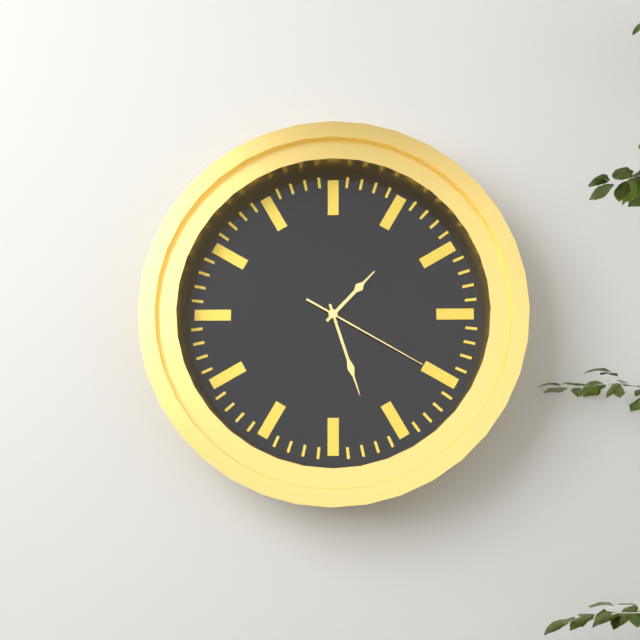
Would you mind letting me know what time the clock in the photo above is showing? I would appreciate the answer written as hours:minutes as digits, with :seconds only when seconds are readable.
1:27:20
